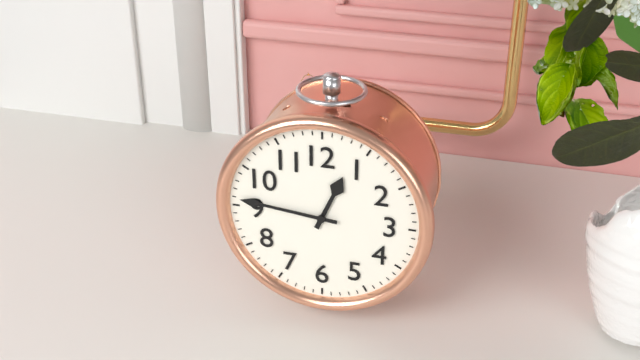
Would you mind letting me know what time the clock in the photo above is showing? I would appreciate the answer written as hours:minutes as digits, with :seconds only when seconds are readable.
12:46
